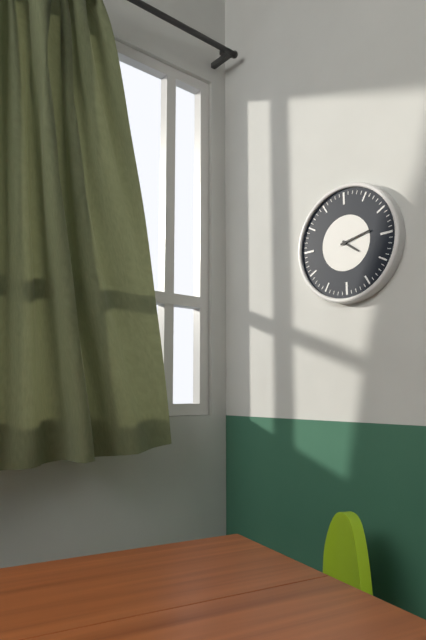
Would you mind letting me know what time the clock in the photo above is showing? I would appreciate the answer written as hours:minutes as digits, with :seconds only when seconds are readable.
4:13
